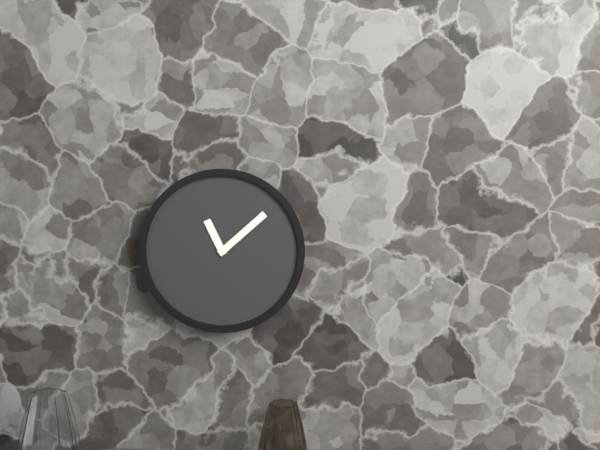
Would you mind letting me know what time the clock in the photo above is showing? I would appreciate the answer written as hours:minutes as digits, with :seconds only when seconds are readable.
11:08
